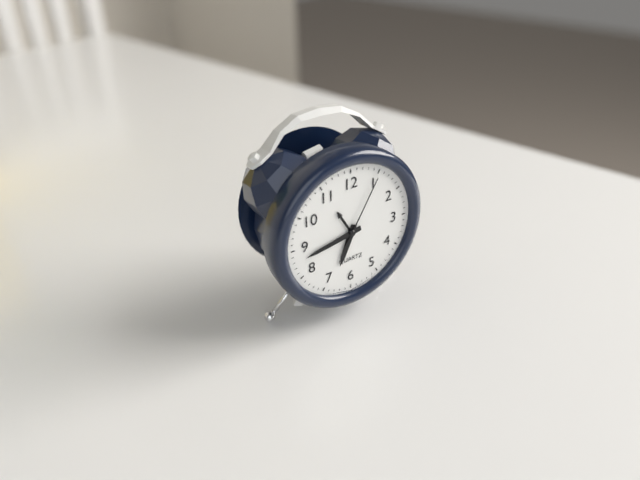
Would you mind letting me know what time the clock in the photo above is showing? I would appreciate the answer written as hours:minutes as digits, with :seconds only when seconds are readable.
6:43:05
